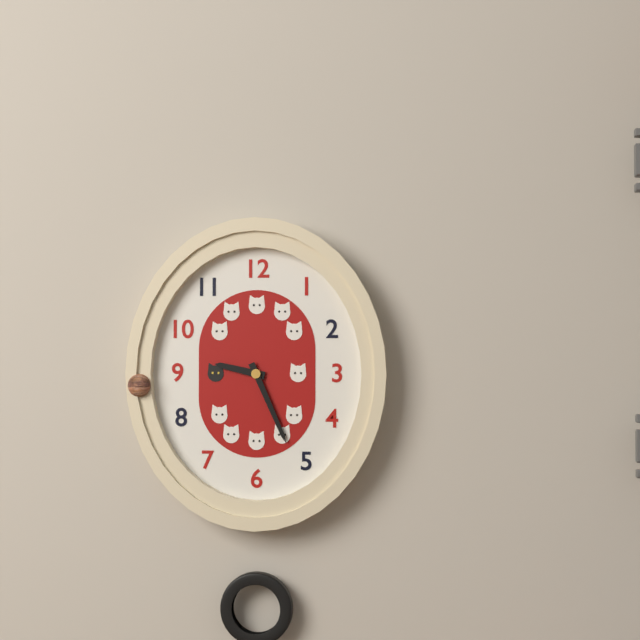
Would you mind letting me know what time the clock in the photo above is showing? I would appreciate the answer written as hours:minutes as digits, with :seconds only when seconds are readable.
9:26
